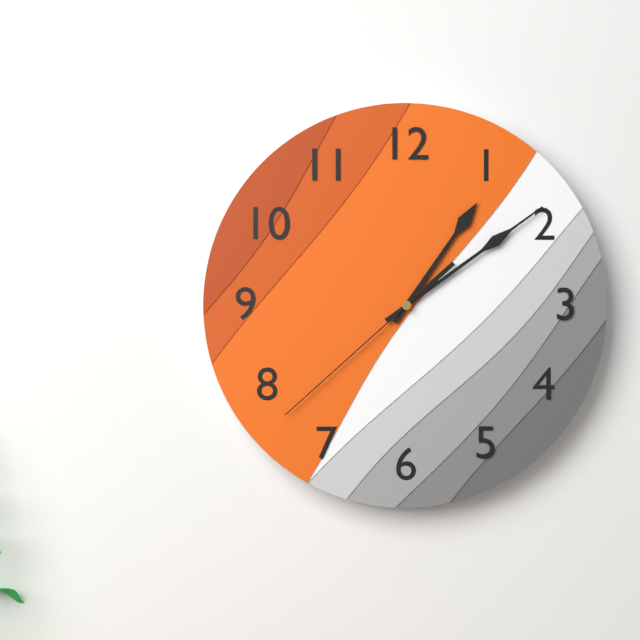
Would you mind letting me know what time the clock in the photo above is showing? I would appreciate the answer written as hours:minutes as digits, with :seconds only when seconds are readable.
1:09:38
